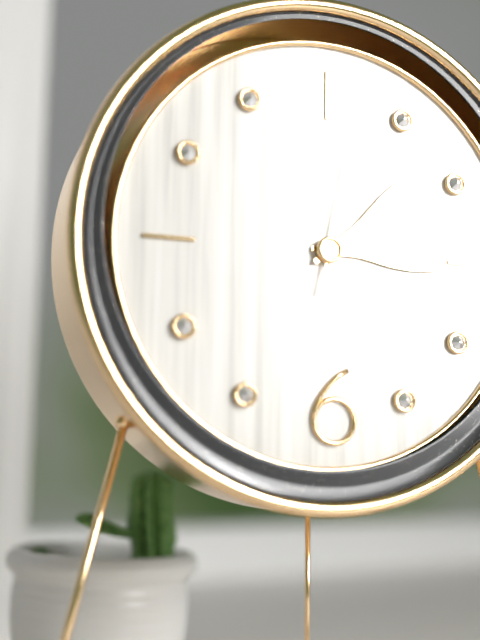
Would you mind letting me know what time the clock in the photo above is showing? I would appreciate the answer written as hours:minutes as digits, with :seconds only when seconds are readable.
3:08:02
